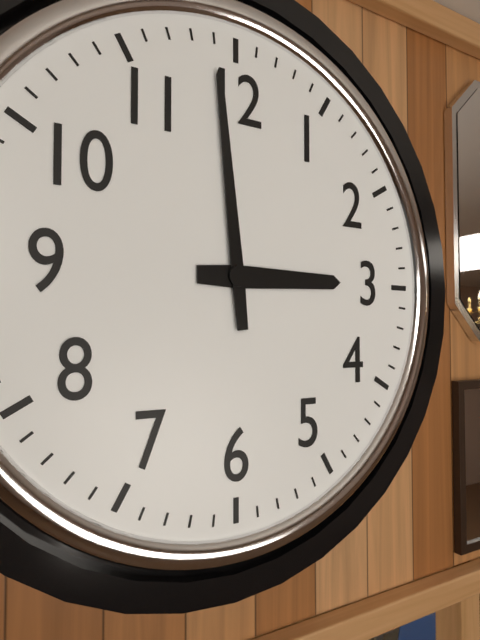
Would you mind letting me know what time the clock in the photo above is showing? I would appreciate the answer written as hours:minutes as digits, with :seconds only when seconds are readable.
2:59
